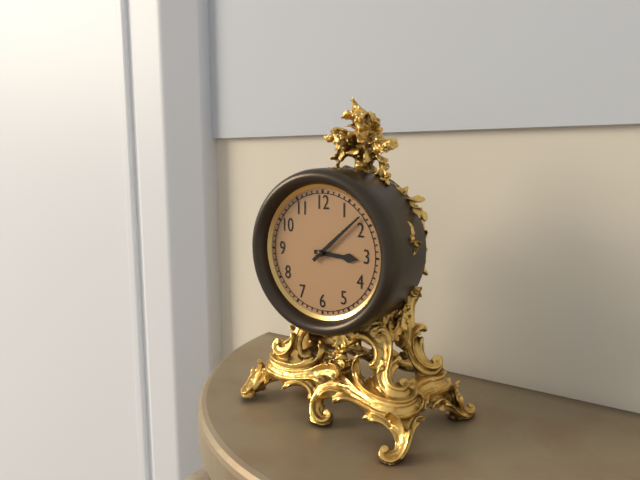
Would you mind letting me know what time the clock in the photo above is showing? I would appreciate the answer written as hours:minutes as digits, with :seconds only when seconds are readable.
3:08
